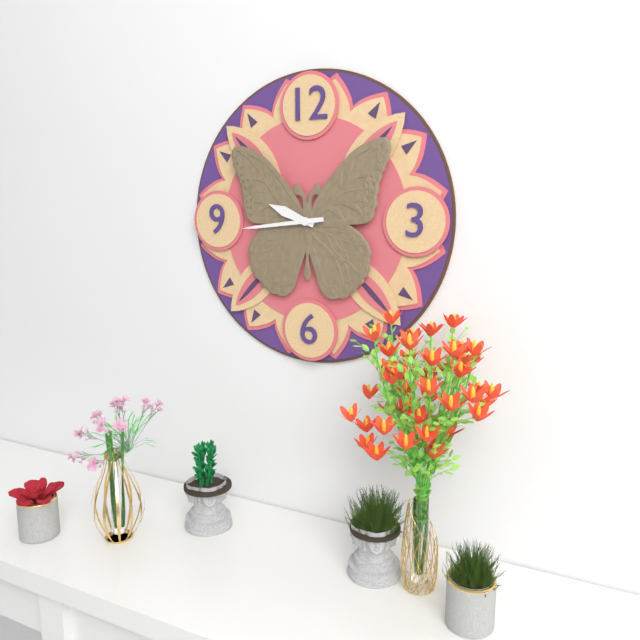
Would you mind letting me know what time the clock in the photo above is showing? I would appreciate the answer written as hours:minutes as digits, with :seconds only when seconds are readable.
9:44
